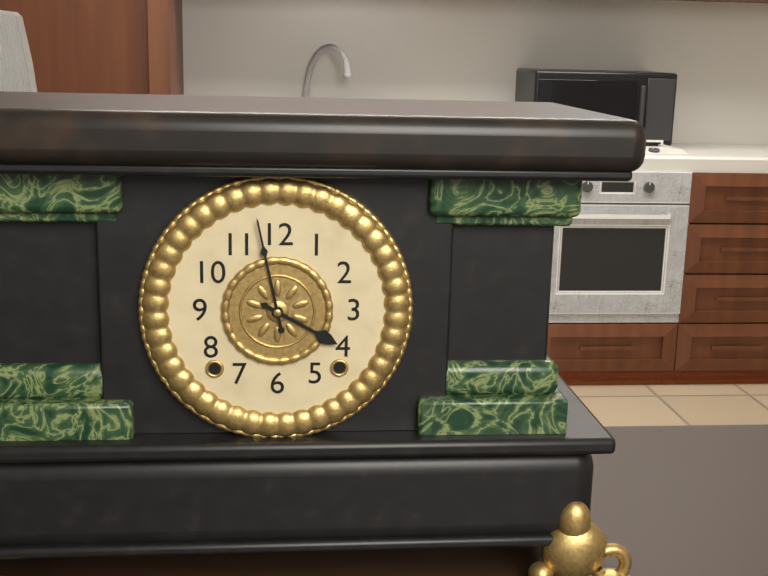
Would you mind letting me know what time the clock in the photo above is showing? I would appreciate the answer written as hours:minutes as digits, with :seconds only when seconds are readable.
3:58
